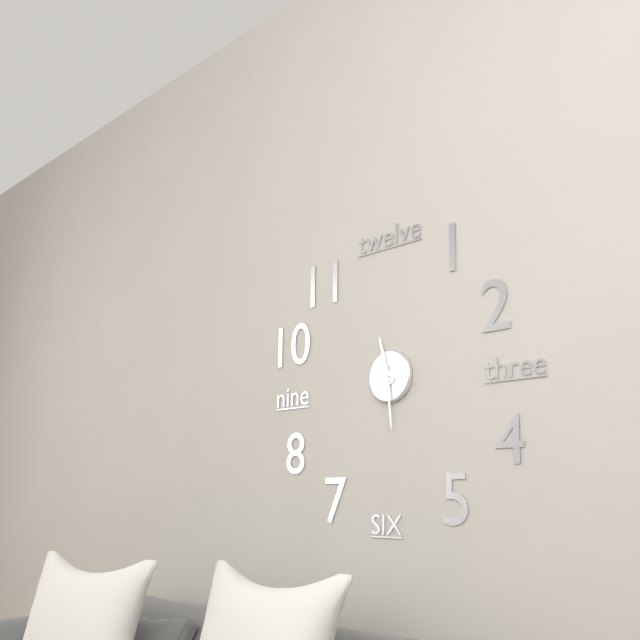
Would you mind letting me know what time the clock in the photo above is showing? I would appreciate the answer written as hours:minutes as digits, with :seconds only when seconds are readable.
11:29
